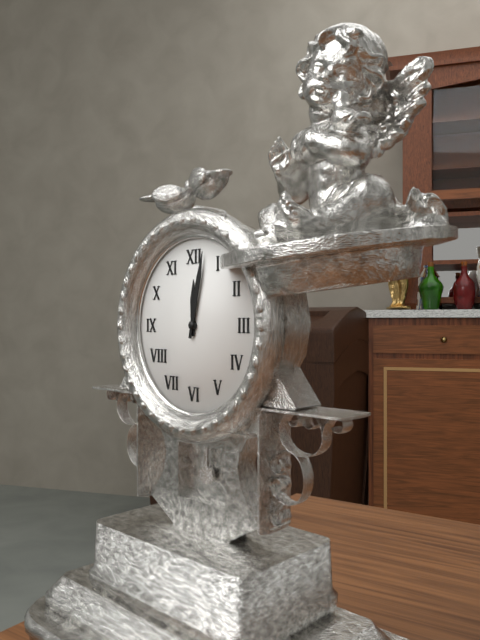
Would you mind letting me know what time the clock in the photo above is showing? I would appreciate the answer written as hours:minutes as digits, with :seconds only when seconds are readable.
12:02
